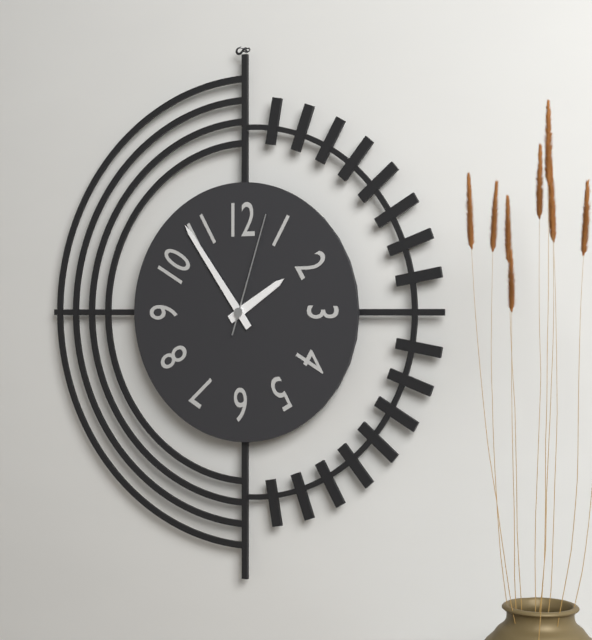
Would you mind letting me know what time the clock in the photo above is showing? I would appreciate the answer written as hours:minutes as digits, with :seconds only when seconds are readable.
1:54:03
